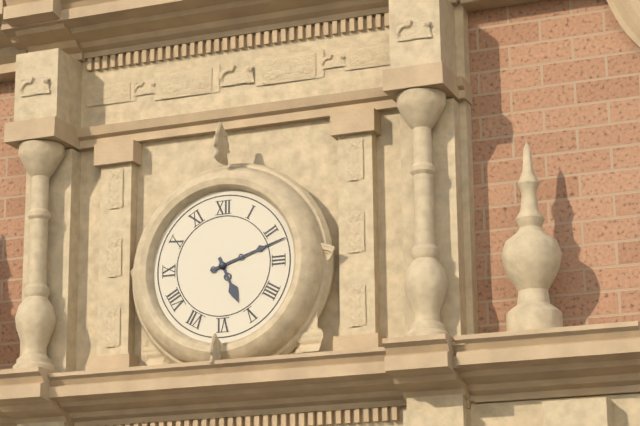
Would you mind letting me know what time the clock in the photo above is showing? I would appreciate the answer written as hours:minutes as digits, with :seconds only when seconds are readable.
5:12
